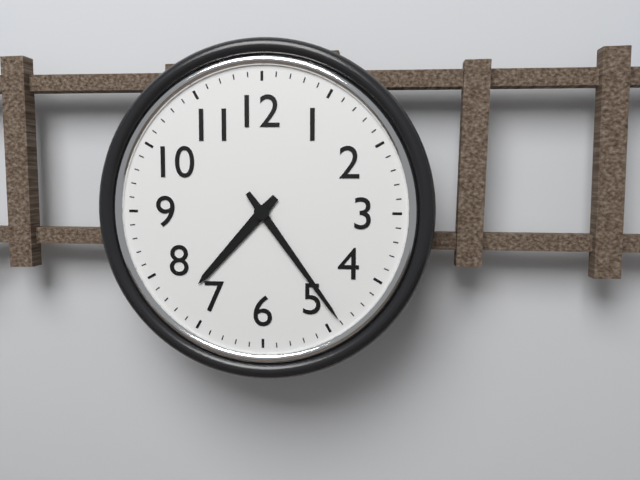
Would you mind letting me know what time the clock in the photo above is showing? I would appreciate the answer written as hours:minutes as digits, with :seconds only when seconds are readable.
7:24
